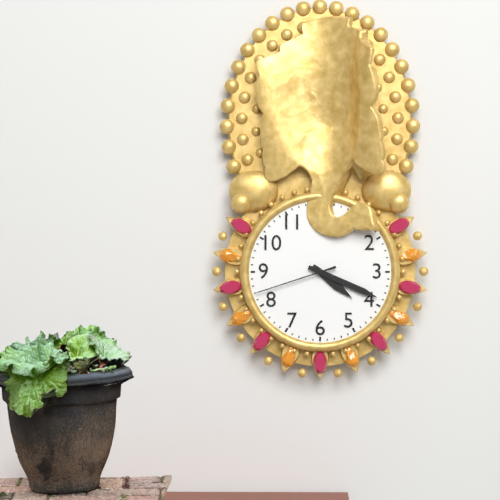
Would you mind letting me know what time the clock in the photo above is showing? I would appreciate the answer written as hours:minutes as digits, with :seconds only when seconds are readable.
4:19:42
